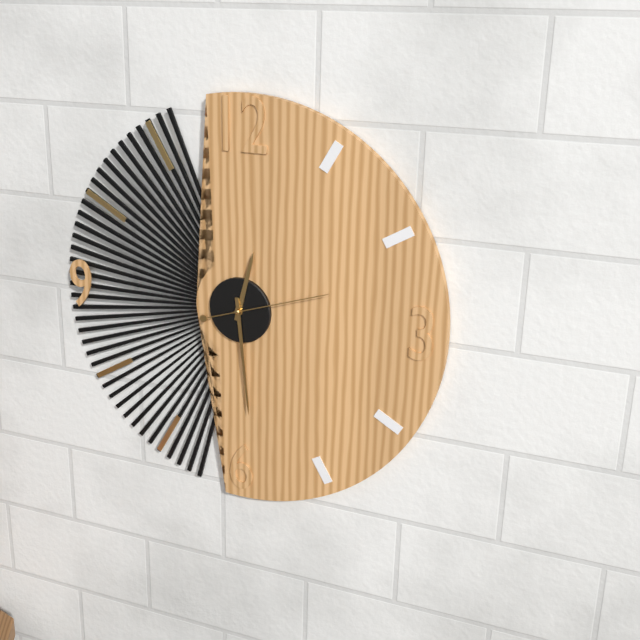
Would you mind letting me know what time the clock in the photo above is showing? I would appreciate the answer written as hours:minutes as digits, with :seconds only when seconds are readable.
12:29:12
